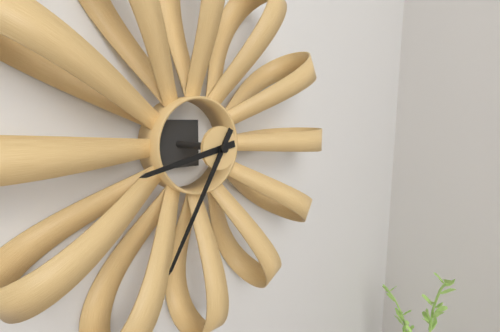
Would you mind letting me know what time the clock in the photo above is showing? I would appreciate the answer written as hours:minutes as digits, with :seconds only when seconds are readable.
8:35
